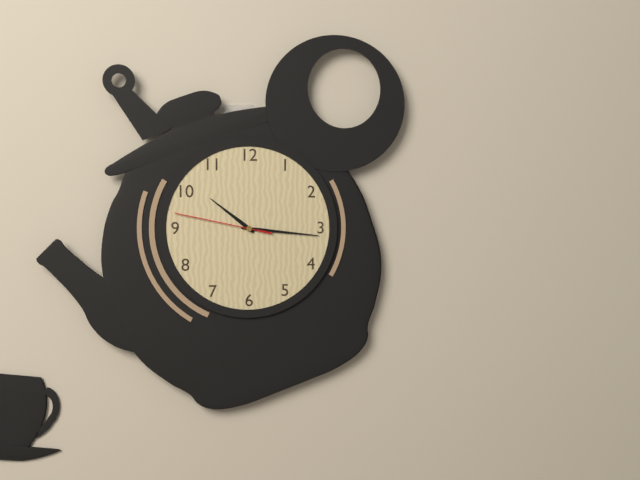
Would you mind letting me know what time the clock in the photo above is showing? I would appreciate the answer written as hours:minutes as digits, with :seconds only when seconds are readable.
10:16:47
